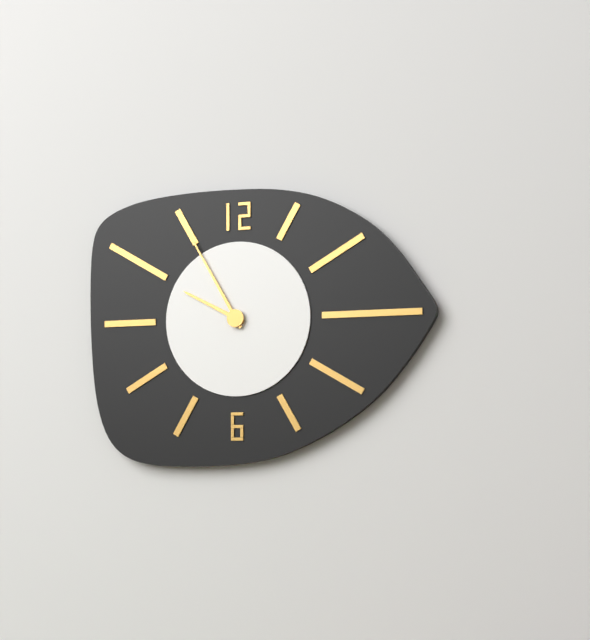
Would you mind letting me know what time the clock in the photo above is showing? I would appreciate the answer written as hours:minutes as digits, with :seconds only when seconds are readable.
9:55
